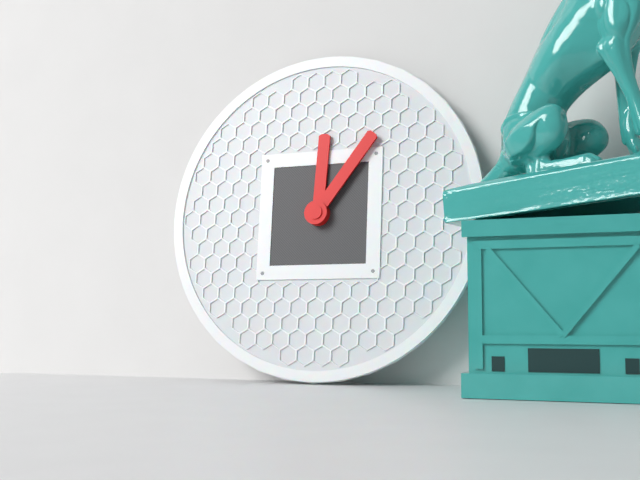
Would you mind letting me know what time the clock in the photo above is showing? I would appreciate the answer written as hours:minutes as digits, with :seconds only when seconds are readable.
12:06
